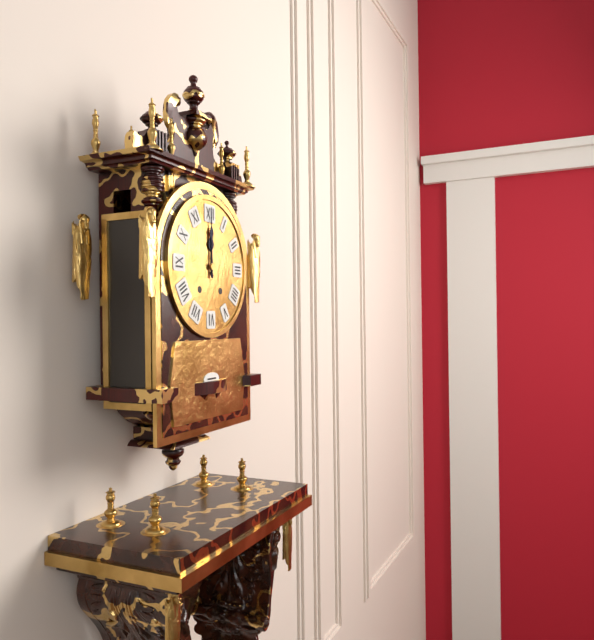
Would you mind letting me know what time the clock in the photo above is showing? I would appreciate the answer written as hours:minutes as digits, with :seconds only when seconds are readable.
12:00
